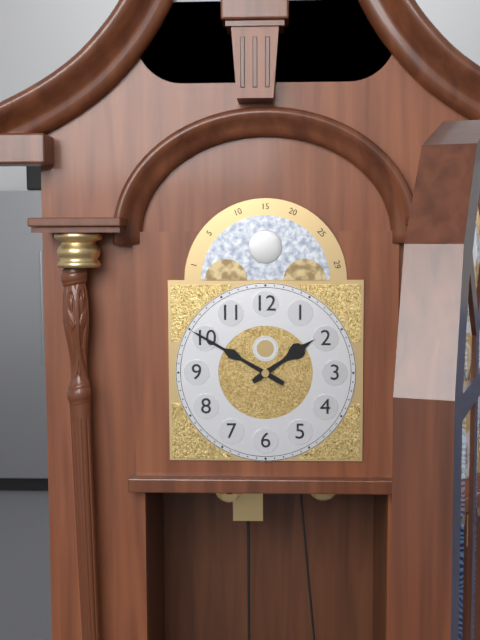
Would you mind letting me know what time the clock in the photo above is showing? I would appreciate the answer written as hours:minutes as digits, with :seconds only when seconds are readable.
1:50
